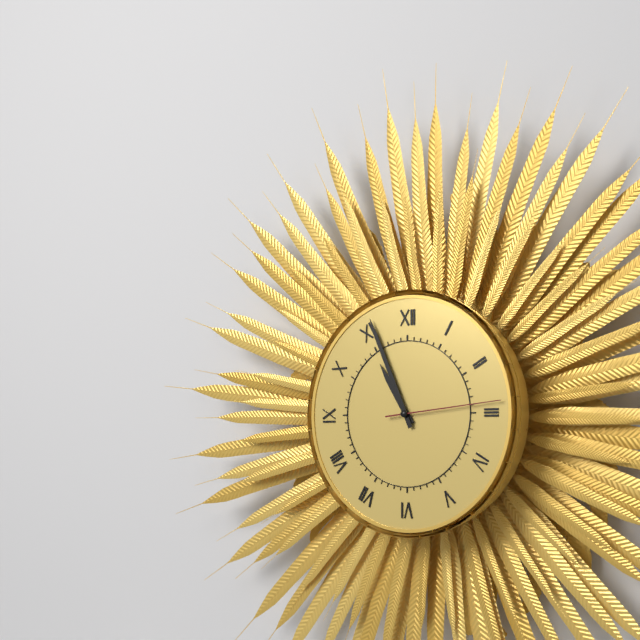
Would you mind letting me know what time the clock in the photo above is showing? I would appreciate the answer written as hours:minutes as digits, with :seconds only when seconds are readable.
10:56:14
